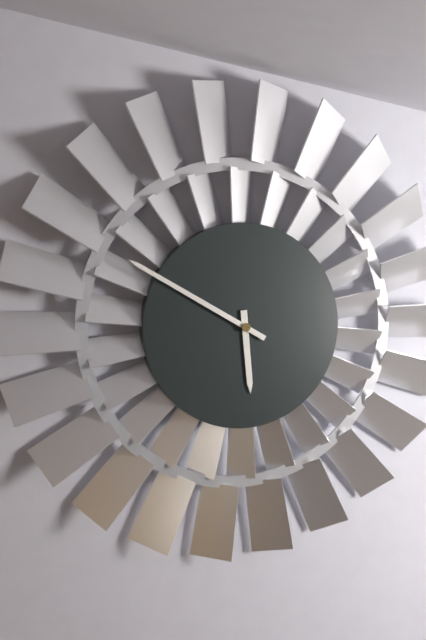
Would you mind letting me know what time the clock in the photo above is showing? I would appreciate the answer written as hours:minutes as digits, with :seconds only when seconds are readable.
5:50
